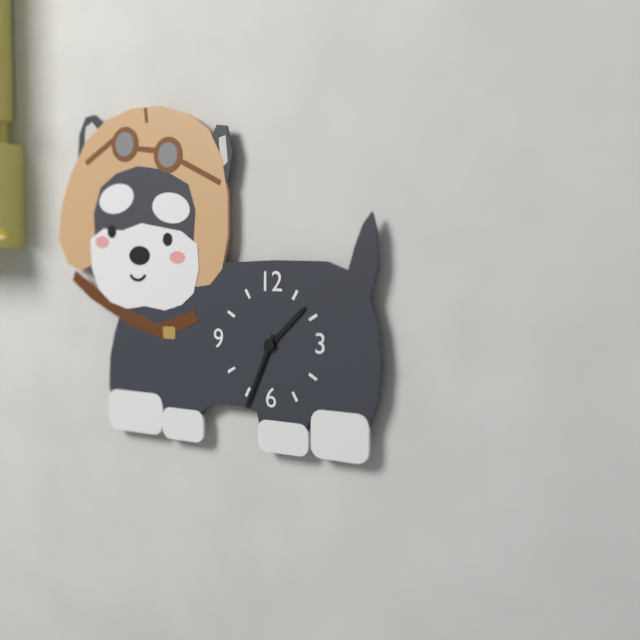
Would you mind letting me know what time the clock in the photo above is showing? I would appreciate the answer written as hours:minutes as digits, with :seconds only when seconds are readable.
1:34
